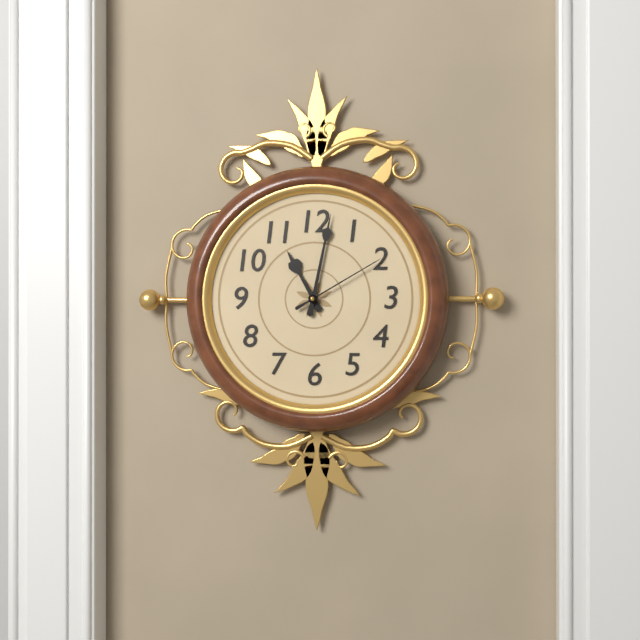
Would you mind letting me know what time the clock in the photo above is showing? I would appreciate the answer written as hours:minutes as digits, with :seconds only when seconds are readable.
11:02:10
